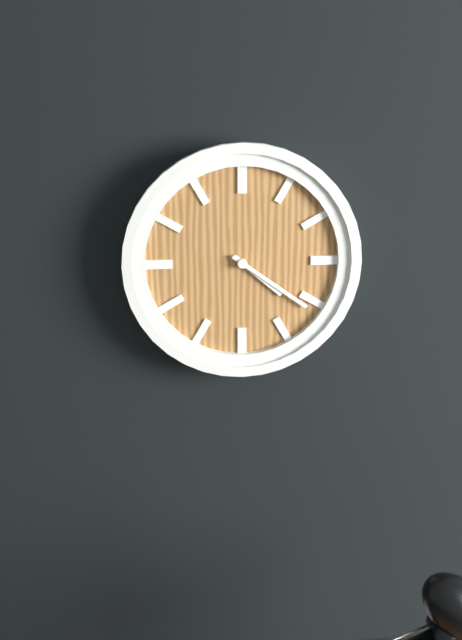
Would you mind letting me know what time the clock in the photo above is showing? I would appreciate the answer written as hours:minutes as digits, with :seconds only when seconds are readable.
4:21
